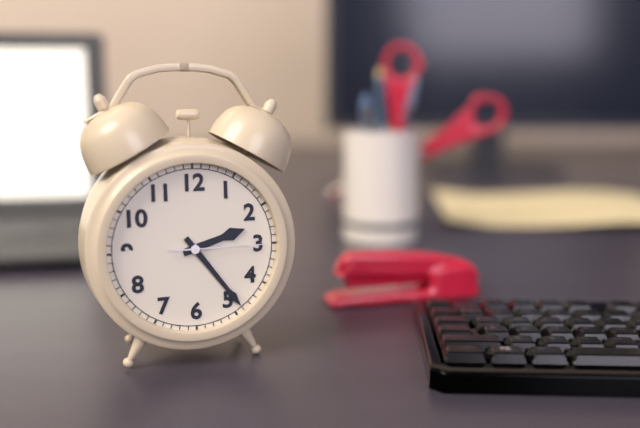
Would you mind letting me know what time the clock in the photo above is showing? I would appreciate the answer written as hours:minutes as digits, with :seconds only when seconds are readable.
2:24:15
